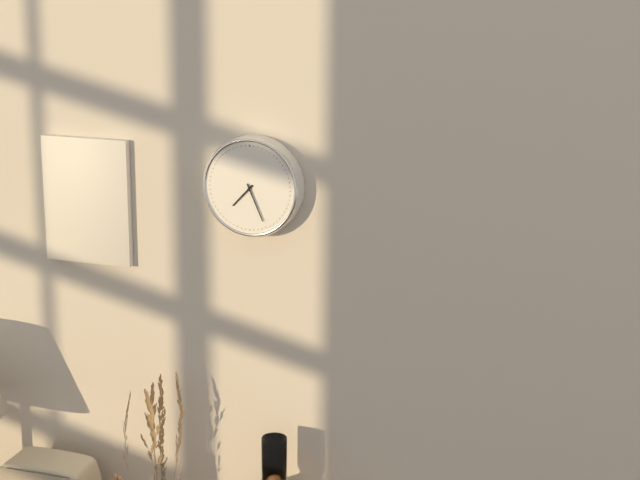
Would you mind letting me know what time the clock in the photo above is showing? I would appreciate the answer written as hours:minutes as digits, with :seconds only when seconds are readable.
7:26
